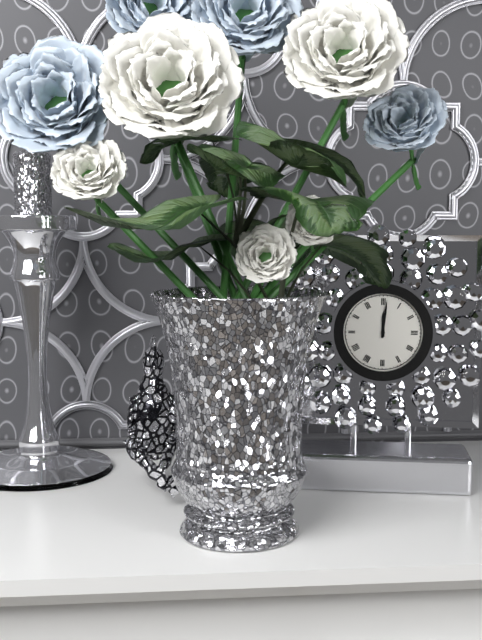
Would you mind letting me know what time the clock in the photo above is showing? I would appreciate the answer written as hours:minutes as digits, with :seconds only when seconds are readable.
12:01
